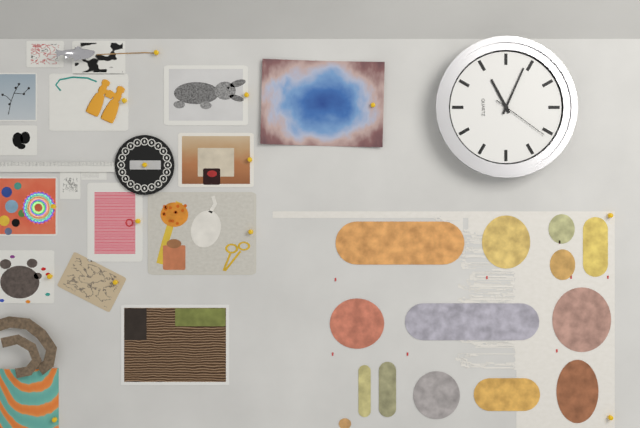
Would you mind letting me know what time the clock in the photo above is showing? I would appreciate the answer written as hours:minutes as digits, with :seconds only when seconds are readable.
11:04:21
